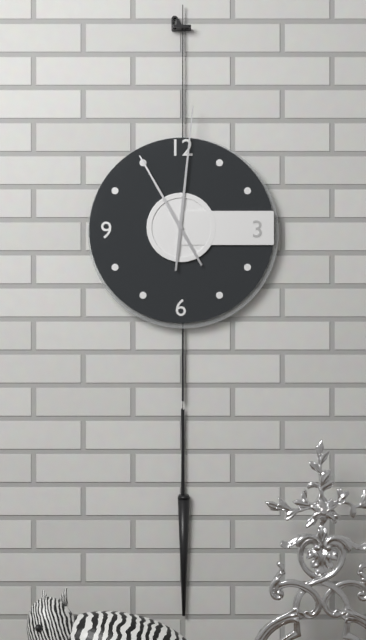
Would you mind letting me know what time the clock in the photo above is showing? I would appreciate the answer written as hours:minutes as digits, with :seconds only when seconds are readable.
11:01
